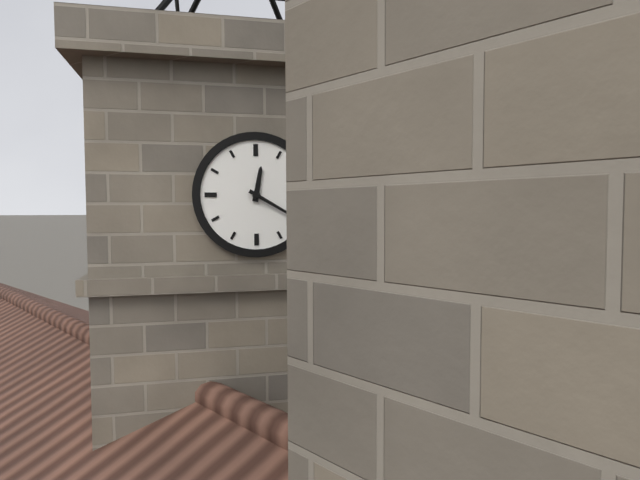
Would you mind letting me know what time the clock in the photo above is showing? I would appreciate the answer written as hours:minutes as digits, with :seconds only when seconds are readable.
12:20
